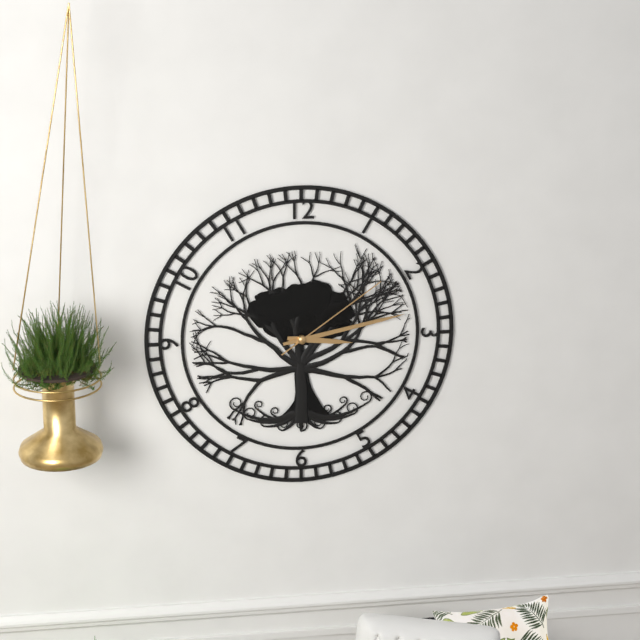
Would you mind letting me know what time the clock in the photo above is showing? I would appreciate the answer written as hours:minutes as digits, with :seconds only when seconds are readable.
3:13:09
